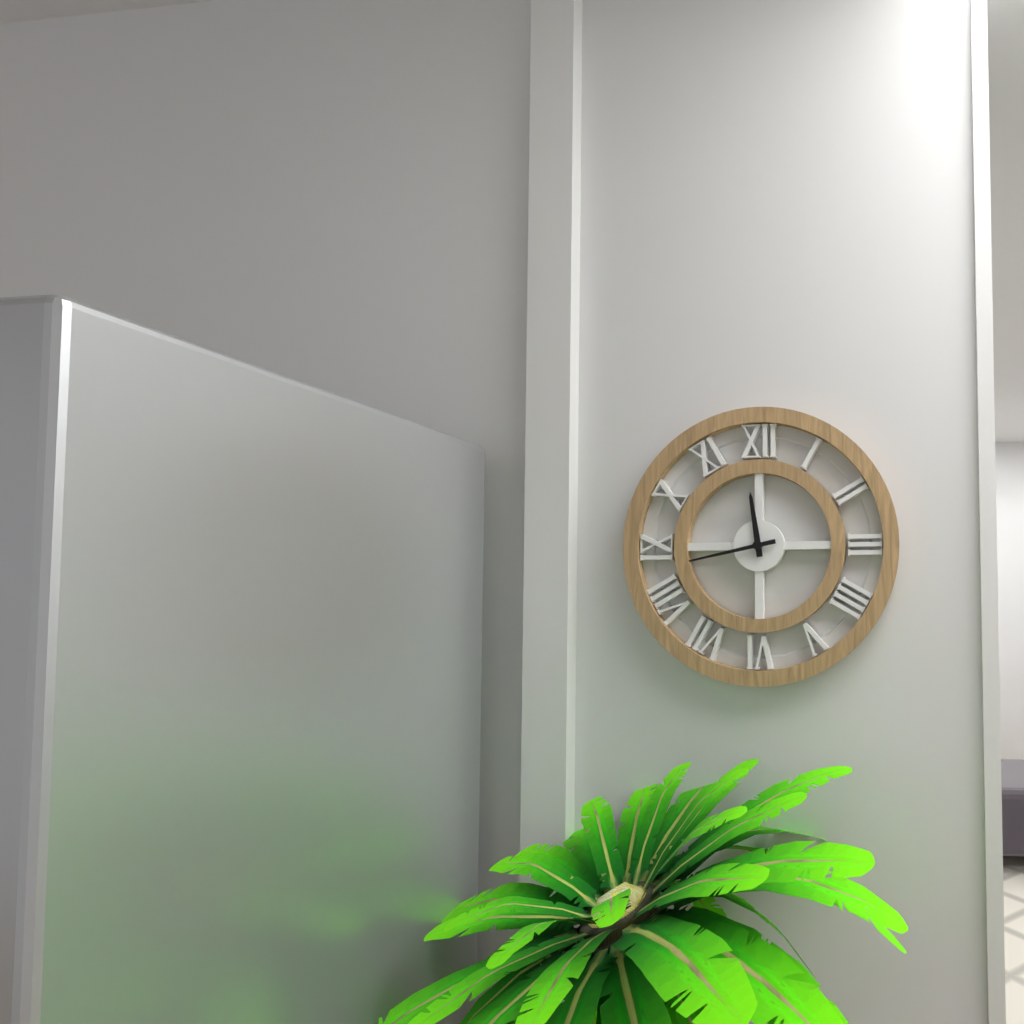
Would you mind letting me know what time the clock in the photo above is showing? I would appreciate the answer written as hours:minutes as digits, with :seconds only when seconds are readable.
11:43
